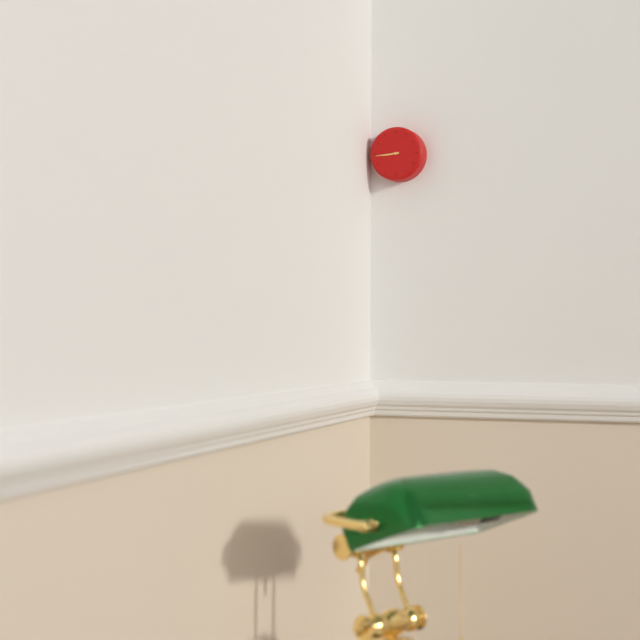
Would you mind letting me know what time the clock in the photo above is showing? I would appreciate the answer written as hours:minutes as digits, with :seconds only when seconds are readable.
8:44
